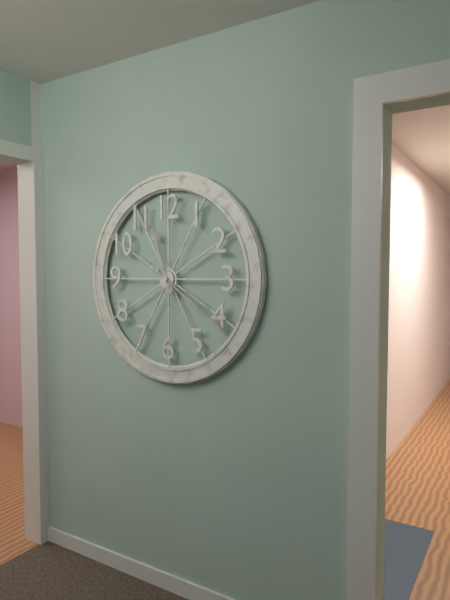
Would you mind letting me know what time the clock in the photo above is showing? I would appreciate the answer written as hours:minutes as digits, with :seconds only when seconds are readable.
11:21
